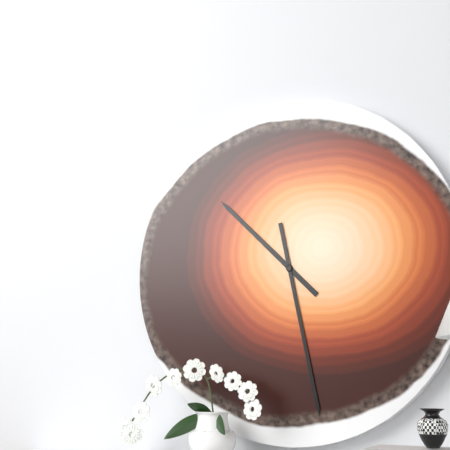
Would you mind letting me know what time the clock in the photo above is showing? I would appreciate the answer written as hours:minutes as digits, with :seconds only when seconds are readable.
10:28
